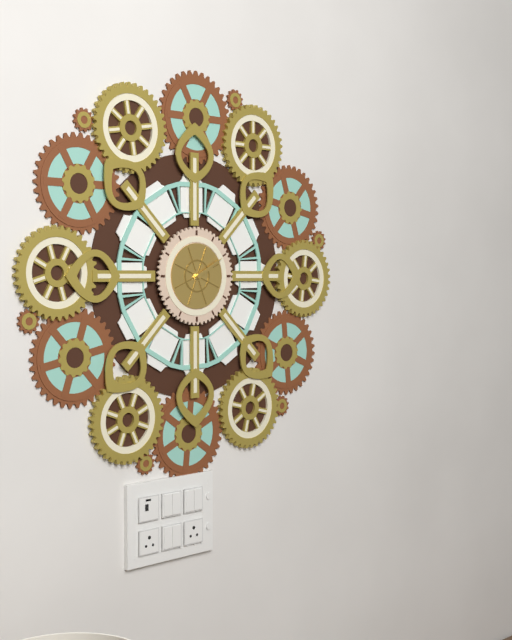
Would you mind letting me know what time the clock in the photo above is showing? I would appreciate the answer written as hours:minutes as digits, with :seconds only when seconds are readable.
2:10
